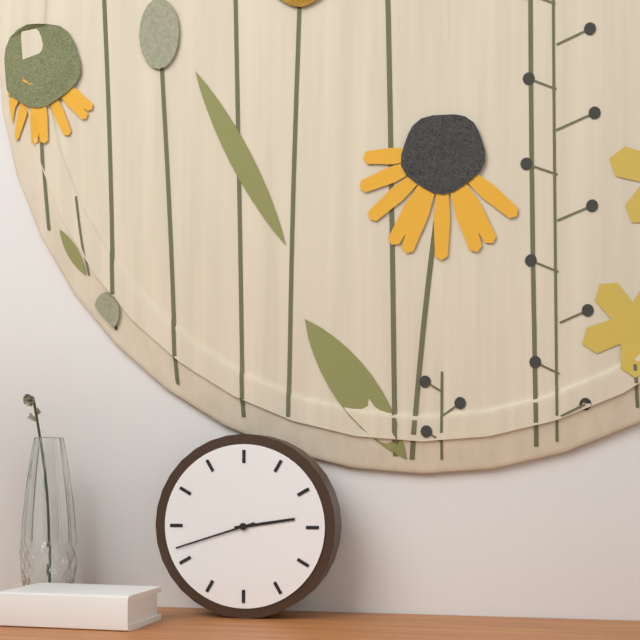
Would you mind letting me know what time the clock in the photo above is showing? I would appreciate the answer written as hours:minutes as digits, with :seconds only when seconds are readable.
2:42
